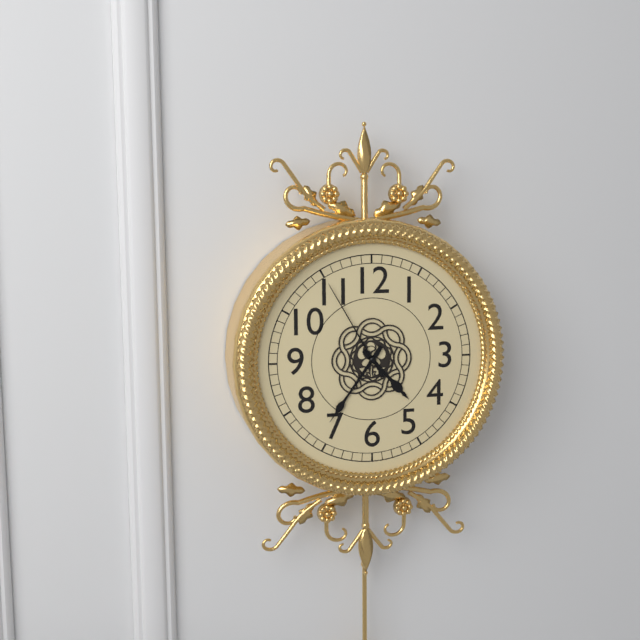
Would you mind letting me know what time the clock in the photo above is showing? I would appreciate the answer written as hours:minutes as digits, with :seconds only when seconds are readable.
4:36:55
